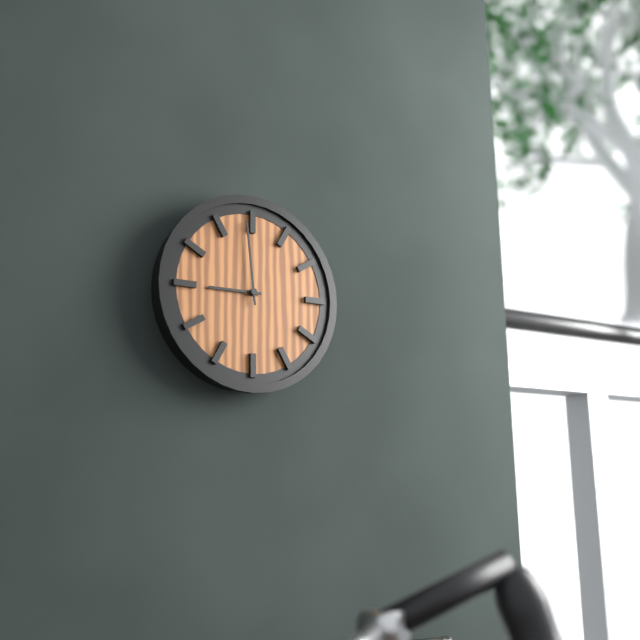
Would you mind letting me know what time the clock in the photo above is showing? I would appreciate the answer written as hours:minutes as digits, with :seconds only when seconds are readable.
8:59
